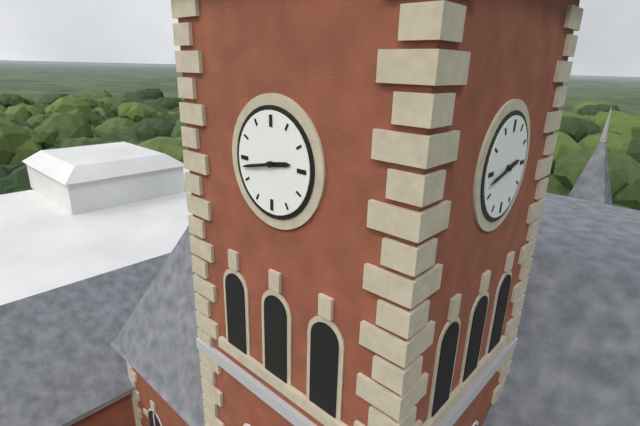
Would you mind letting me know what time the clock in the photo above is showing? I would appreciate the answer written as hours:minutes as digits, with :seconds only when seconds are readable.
2:43
